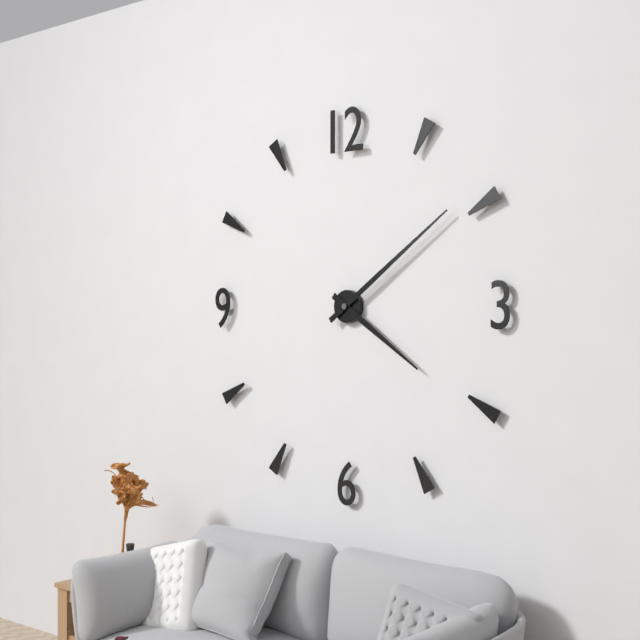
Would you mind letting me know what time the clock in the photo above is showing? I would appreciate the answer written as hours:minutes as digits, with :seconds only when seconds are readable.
4:09
